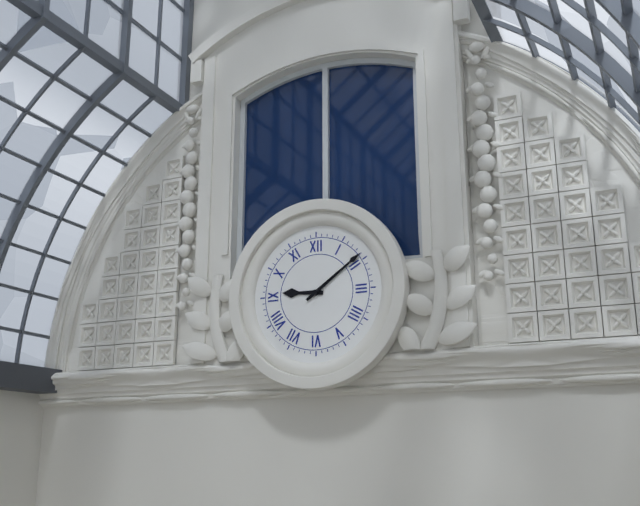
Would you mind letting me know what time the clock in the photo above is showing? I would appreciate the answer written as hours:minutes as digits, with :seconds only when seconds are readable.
9:09
